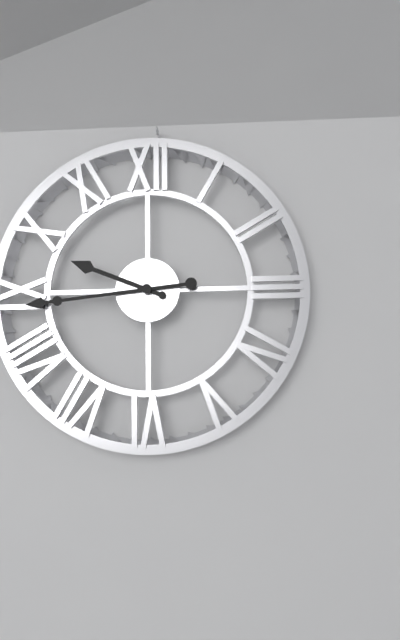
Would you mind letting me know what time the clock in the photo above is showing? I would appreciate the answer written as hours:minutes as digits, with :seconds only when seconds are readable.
9:44
